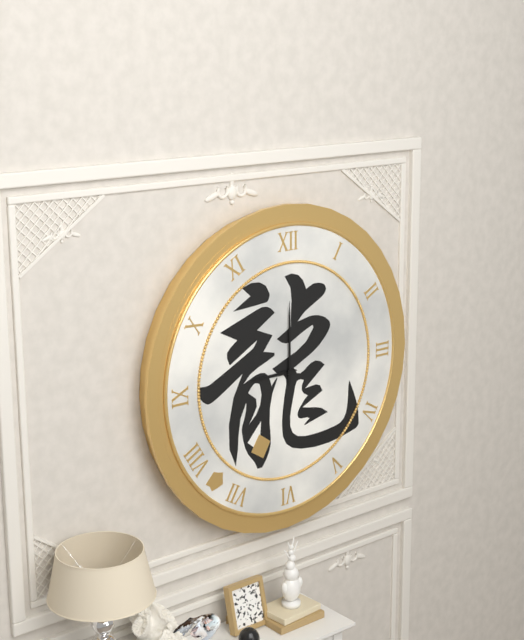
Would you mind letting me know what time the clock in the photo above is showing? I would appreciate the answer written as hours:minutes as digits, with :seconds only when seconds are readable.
9:00
